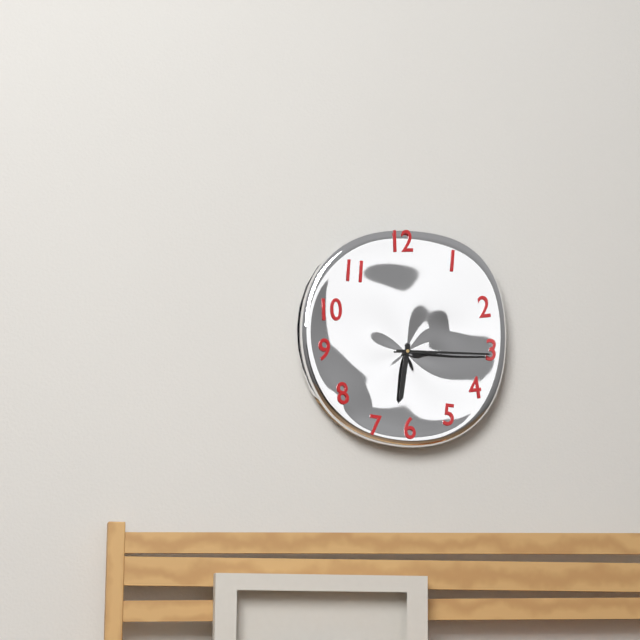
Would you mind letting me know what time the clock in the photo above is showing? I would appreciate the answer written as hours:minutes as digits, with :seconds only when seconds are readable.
6:15
